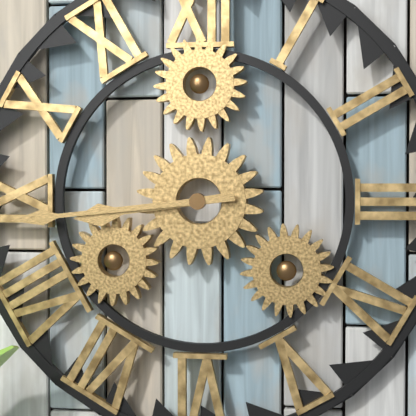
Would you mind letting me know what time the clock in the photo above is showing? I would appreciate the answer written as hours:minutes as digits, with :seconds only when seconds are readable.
8:44
